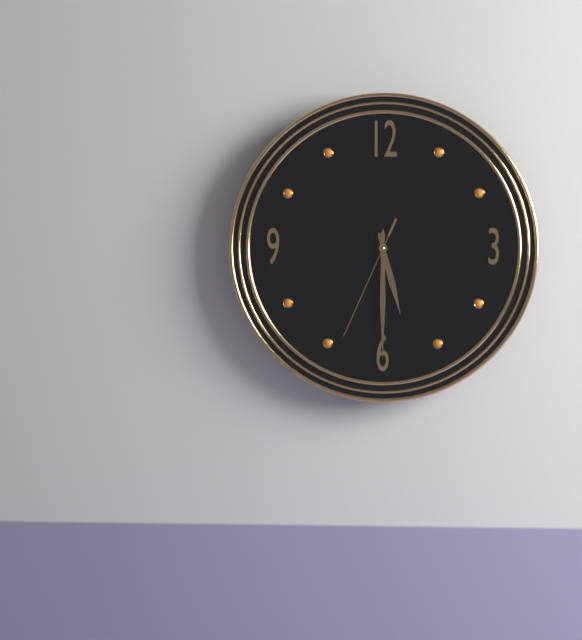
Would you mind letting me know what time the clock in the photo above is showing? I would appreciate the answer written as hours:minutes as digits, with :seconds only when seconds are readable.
5:30:34
